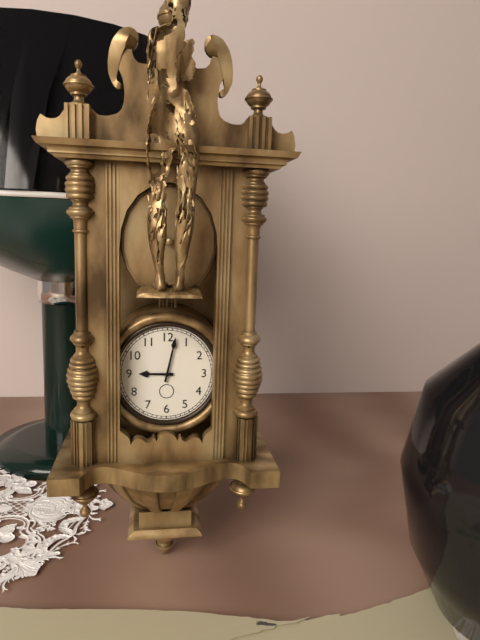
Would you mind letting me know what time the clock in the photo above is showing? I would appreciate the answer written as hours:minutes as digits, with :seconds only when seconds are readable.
9:02
